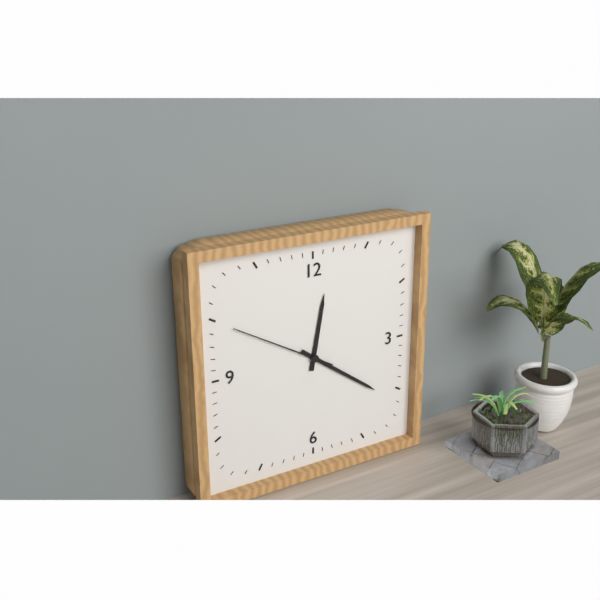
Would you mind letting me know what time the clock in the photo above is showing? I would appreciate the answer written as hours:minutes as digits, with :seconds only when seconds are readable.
12:21:50
